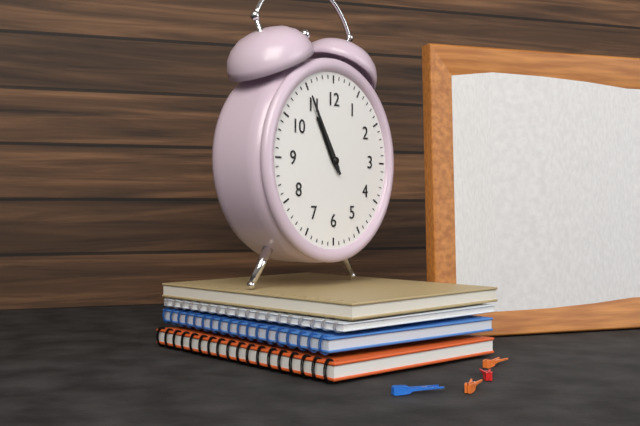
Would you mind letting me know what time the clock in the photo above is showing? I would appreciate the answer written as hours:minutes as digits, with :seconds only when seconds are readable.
10:55
